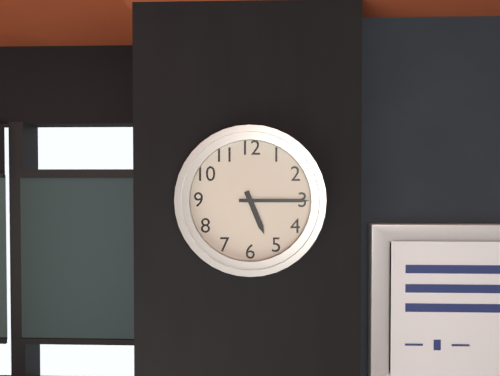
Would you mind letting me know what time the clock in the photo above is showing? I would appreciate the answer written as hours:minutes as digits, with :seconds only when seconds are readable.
5:15
